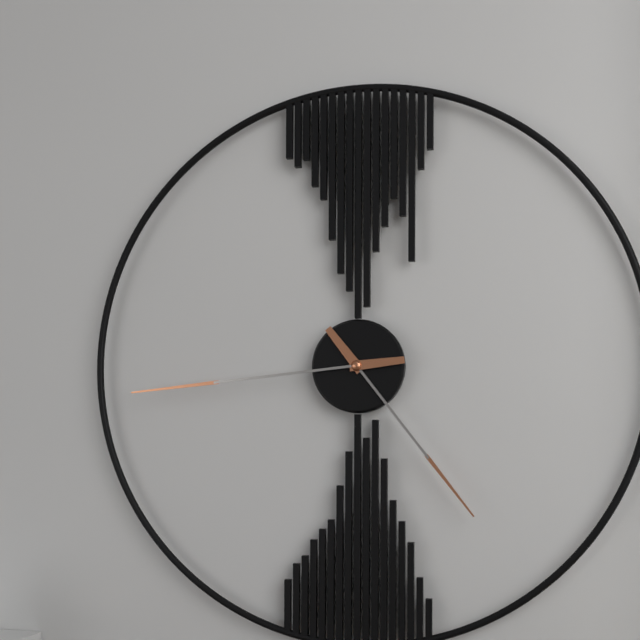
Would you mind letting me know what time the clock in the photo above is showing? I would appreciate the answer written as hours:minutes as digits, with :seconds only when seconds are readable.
4:44
